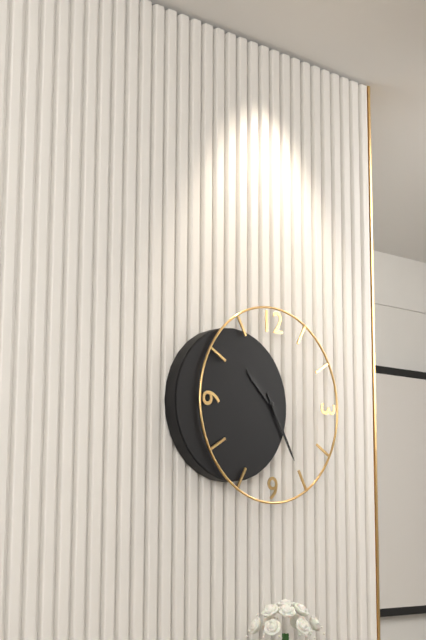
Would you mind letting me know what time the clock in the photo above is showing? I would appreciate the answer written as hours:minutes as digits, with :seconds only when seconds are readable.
10:25
